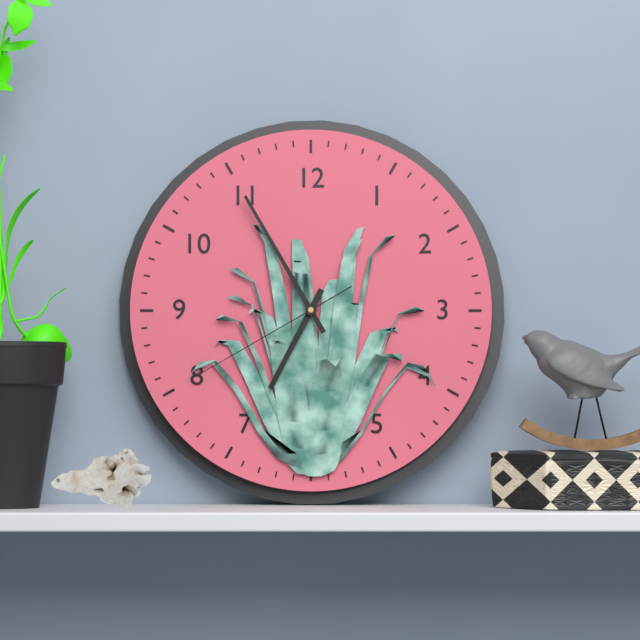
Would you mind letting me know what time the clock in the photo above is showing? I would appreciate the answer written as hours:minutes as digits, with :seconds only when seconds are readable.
6:55:40
